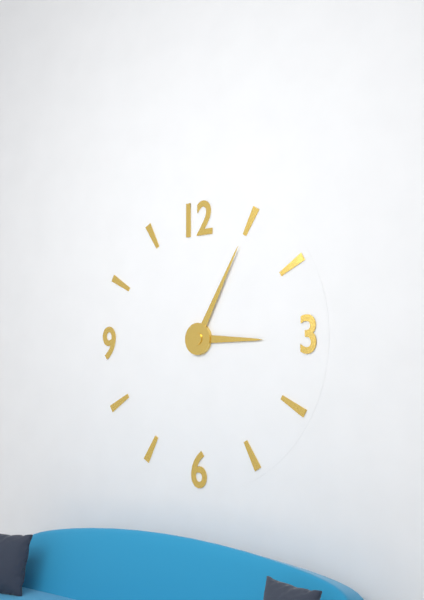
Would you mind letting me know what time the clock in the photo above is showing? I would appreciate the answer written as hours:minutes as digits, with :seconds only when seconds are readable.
3:05
